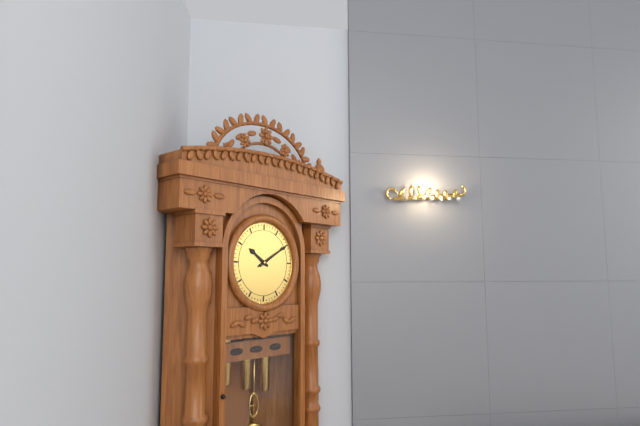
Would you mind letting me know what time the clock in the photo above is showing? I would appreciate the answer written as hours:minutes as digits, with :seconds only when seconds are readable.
10:10
